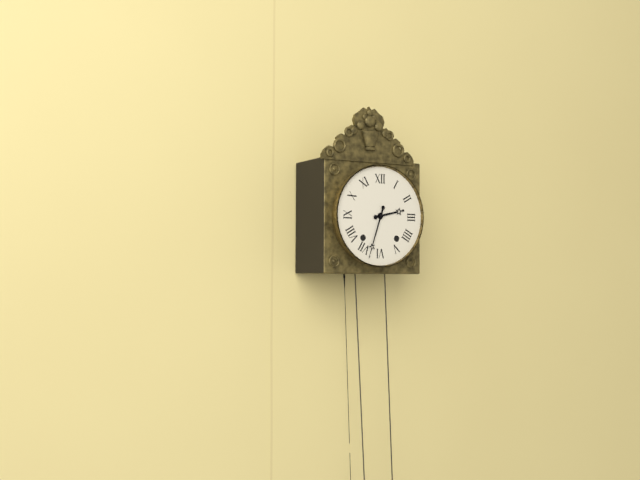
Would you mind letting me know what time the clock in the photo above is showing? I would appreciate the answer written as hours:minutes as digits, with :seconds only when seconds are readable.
2:33
